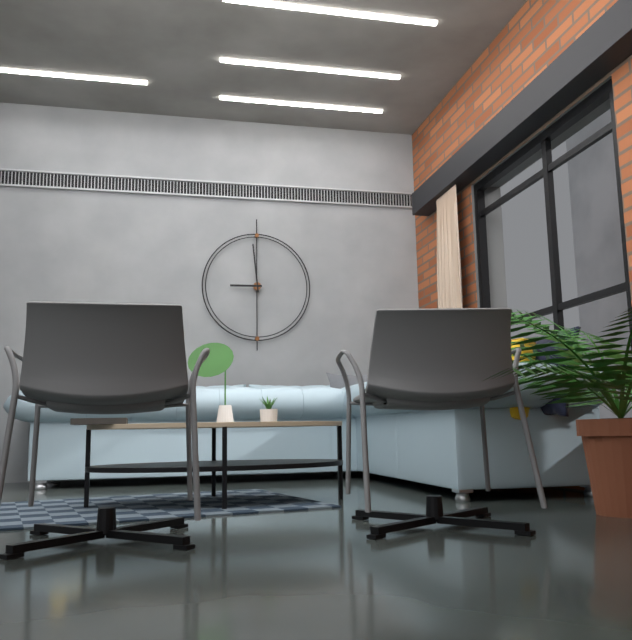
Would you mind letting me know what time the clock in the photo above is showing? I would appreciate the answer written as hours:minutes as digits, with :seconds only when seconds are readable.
8:59
